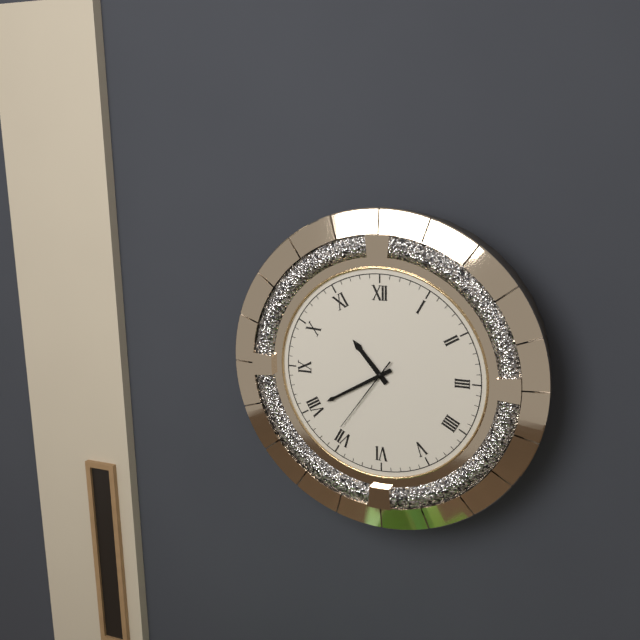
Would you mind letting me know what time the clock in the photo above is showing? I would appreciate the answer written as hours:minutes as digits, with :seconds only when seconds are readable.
10:40:36
